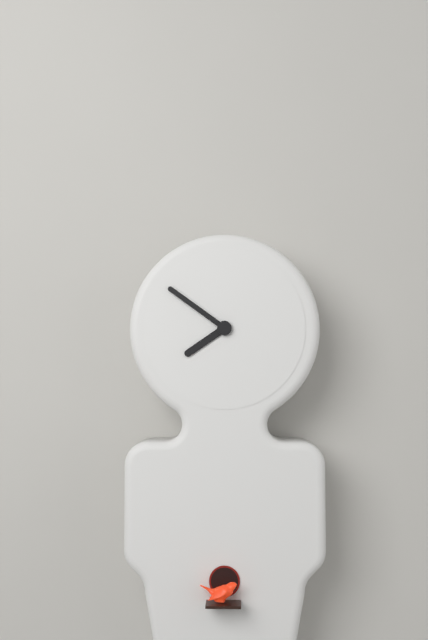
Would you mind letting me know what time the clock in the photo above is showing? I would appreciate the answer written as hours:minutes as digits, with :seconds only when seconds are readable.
7:51
